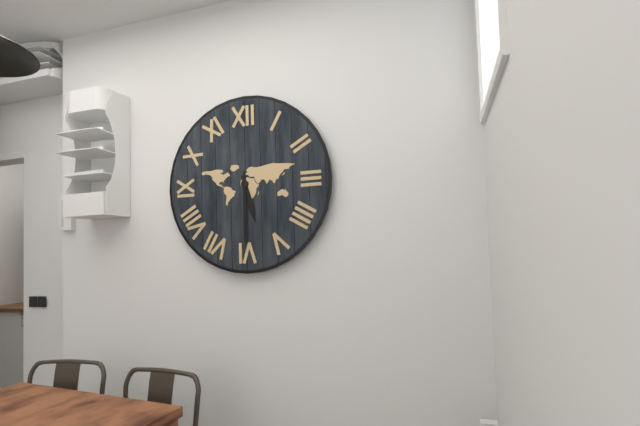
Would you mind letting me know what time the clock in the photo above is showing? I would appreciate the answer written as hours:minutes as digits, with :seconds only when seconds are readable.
5:30
